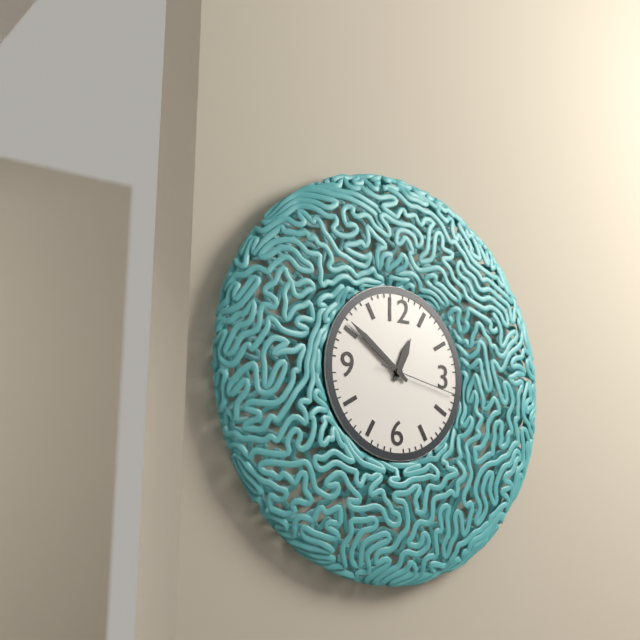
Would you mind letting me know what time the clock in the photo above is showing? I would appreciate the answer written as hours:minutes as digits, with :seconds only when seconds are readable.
12:51:17
